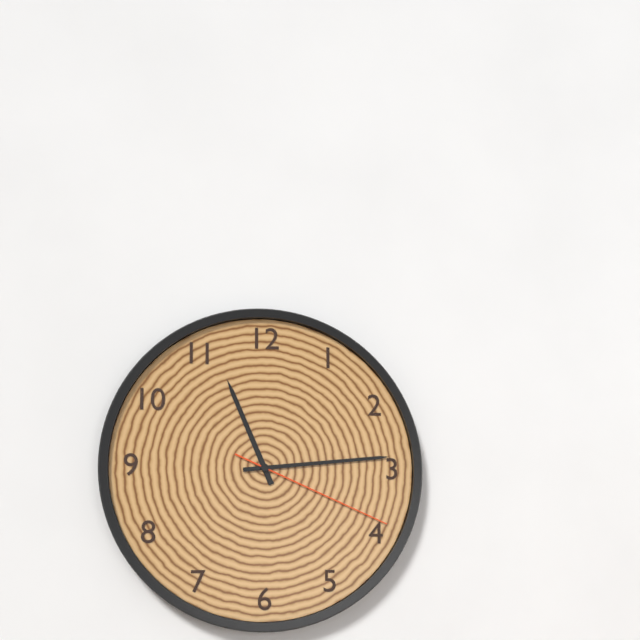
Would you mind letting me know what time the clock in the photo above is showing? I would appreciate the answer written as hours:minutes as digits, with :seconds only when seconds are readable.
11:14:19
